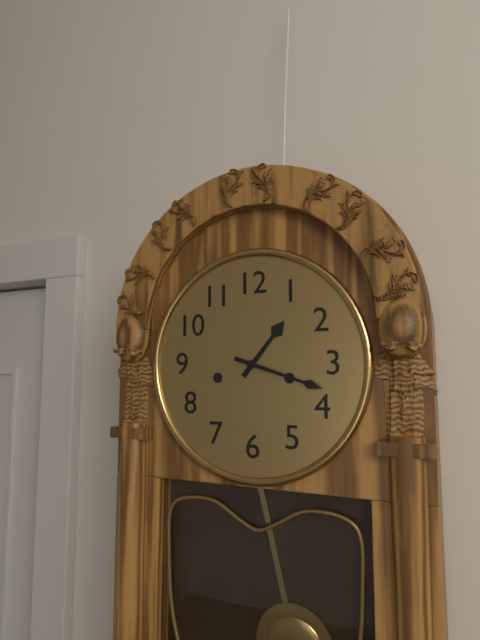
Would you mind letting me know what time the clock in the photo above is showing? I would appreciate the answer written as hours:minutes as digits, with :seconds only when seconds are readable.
1:18
